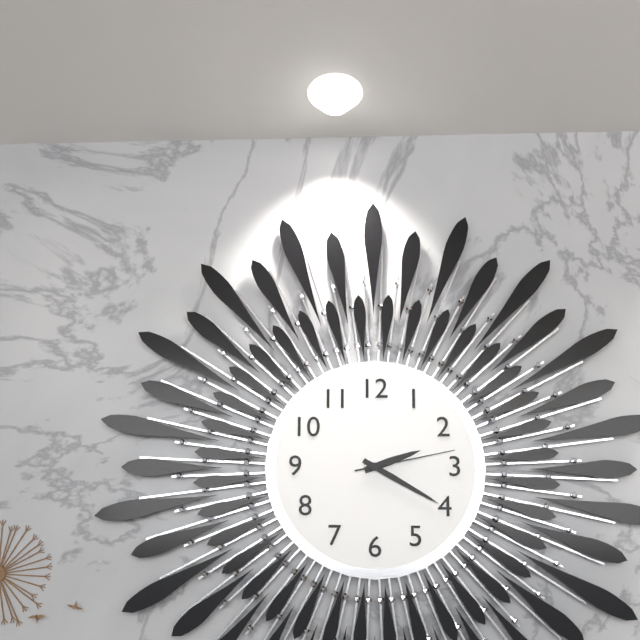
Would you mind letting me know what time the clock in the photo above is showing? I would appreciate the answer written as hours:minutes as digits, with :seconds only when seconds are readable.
2:20:13
